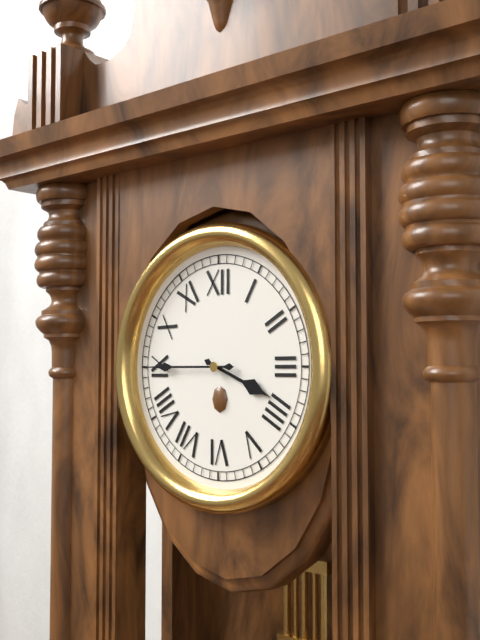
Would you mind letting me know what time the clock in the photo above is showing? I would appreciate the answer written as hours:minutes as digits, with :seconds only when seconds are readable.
3:45
